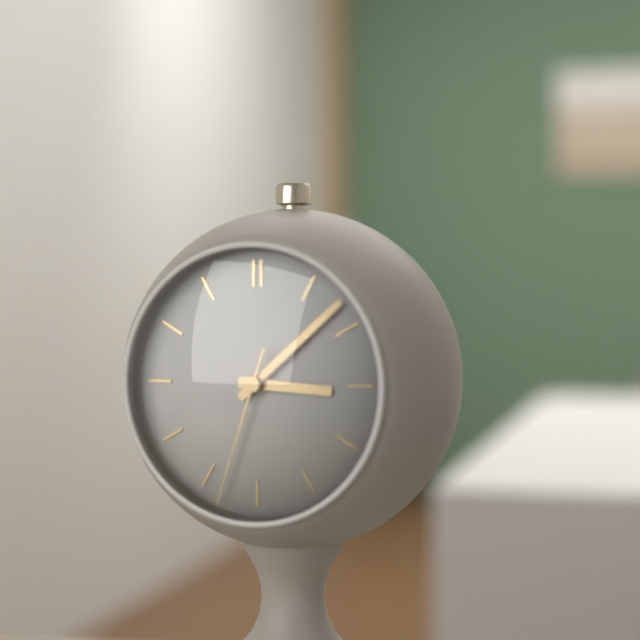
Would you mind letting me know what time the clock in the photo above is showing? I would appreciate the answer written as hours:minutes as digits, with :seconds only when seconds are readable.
3:08:33
